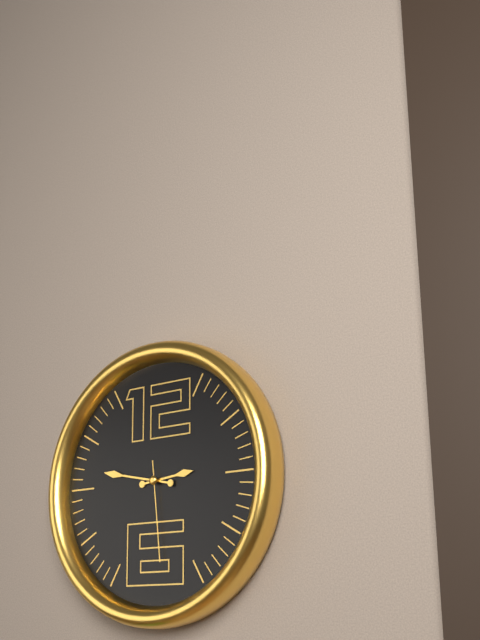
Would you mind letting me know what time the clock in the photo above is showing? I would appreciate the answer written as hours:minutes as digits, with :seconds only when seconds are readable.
2:47:29
